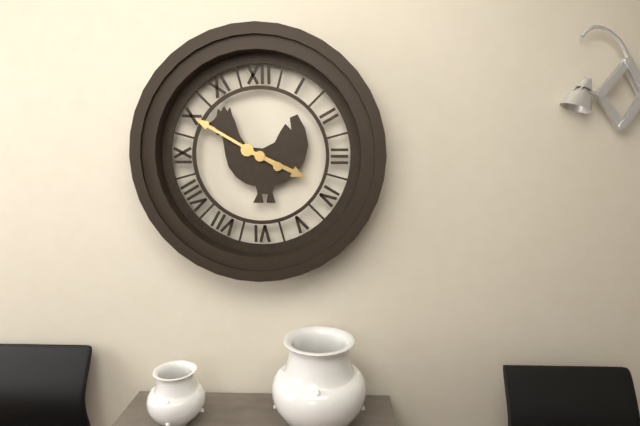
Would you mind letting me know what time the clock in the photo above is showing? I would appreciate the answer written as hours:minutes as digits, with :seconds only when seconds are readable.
3:50
